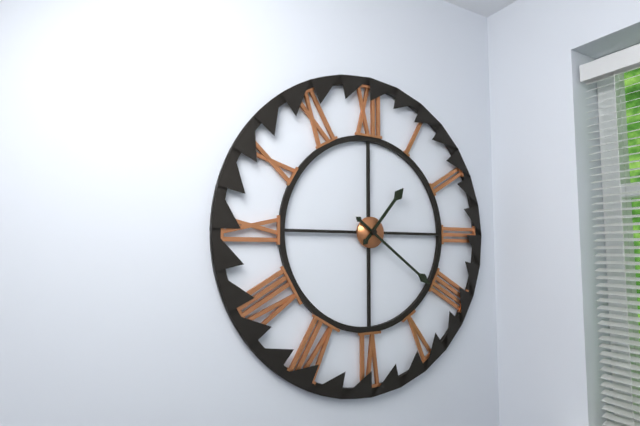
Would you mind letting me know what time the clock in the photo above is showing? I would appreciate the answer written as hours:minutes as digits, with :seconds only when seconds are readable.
1:21
